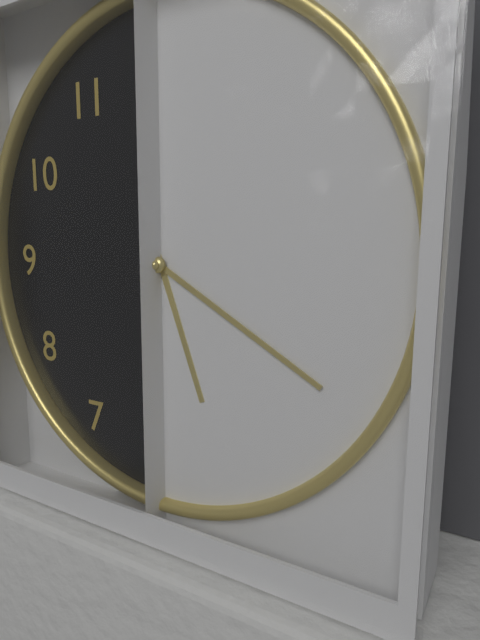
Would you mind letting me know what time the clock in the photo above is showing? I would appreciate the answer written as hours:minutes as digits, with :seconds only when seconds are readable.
5:20
